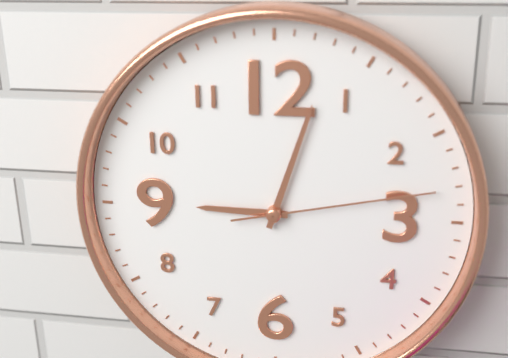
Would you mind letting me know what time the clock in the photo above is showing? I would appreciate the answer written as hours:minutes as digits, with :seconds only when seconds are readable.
9:03:13
